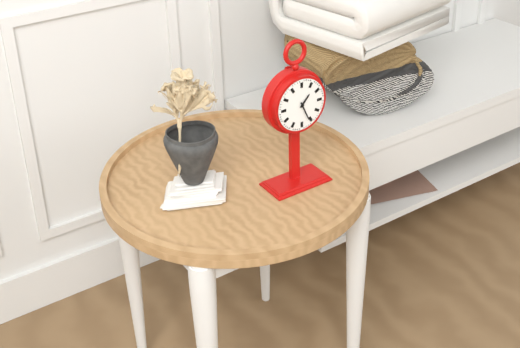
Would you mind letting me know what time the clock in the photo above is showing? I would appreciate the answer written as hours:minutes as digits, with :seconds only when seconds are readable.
1:26
